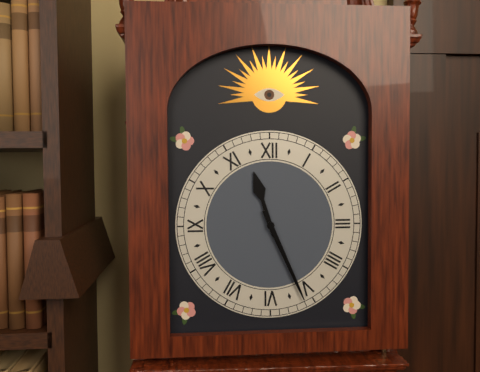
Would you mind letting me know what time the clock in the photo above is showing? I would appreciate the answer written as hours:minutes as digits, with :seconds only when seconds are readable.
11:26
